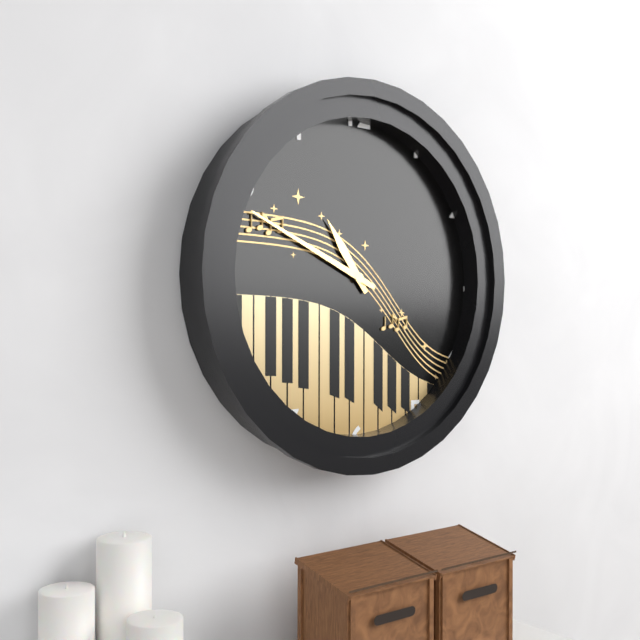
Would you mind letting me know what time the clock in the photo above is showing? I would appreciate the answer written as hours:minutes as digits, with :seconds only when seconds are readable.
10:49
